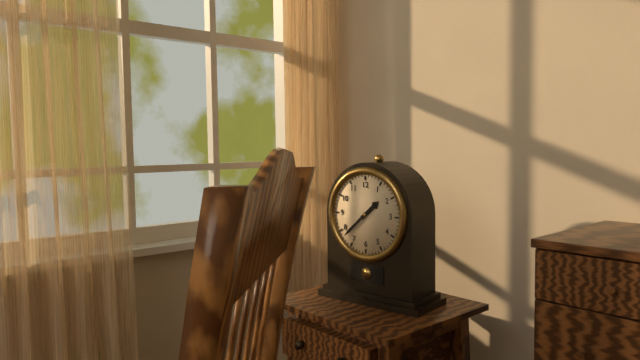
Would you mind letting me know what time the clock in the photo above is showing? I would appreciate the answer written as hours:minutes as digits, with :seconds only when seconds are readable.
1:38
